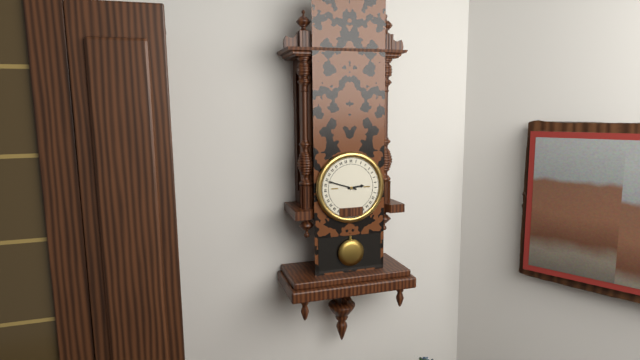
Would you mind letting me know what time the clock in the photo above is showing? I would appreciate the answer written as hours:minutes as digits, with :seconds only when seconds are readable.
2:48
